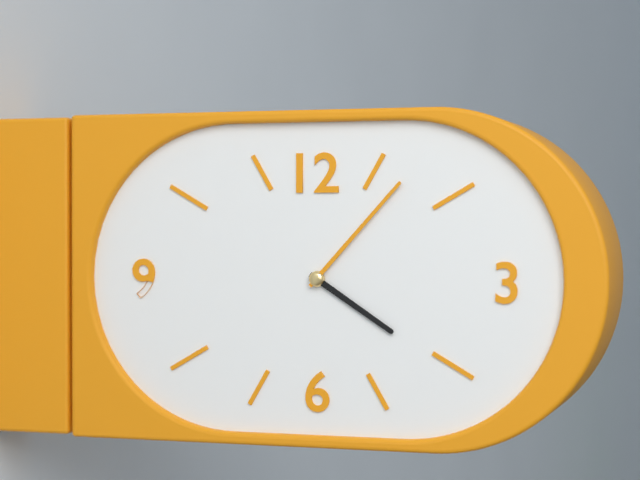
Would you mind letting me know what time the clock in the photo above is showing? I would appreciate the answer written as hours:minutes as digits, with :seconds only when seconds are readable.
4:07
